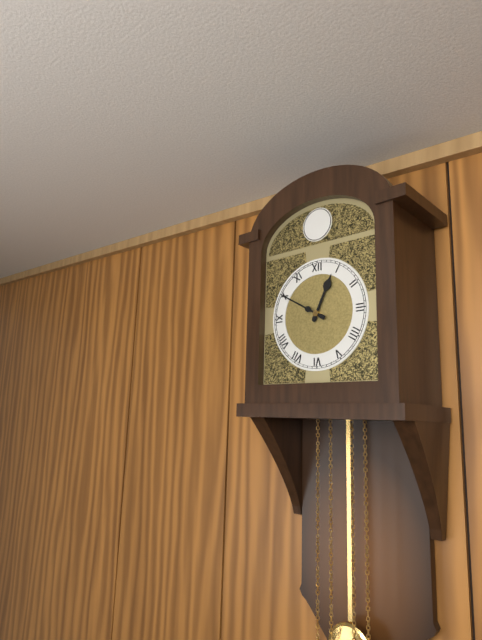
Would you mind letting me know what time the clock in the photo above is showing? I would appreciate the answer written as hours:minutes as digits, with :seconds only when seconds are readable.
12:50
